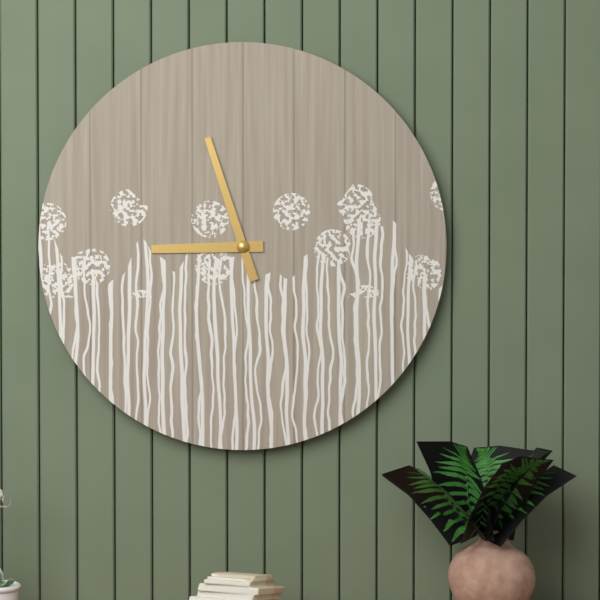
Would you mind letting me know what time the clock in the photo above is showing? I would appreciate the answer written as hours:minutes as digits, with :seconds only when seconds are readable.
8:57
